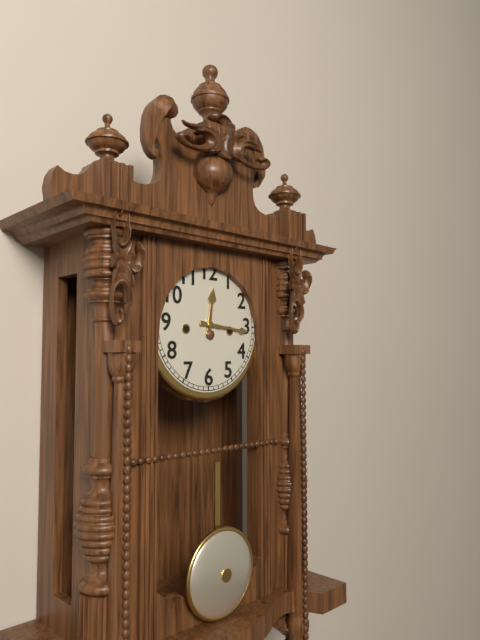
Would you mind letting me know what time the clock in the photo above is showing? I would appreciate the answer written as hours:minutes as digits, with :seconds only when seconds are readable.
12:16
